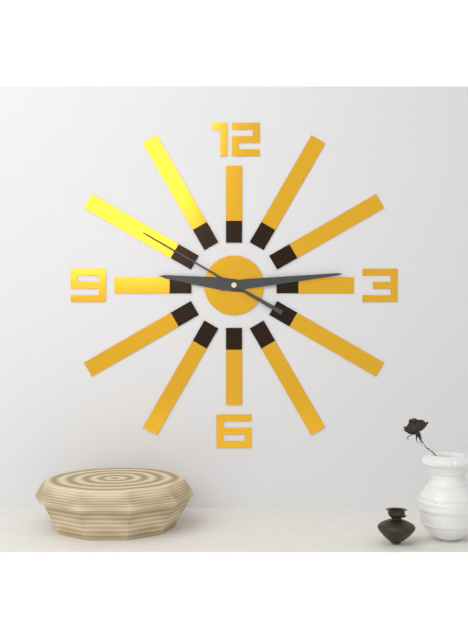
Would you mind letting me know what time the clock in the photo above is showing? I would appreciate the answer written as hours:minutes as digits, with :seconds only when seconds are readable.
9:14:50
